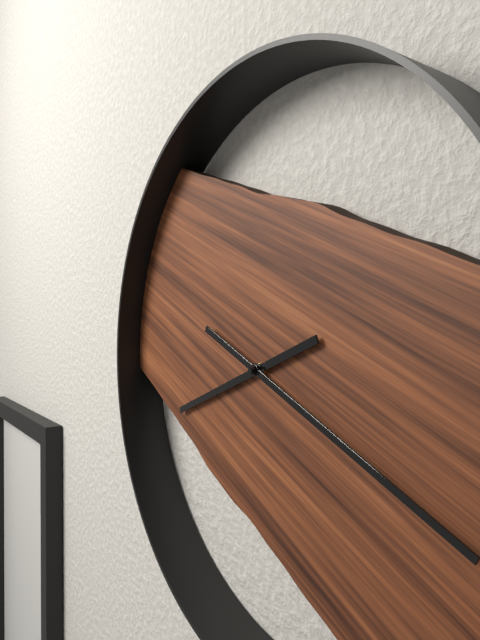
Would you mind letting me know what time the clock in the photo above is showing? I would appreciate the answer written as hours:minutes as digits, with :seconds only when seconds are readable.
8:19
